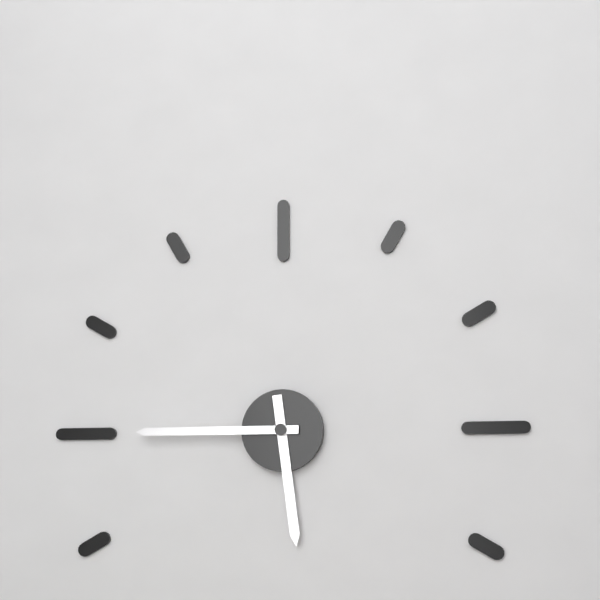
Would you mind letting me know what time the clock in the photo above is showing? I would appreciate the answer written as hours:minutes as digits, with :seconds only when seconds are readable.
5:45
